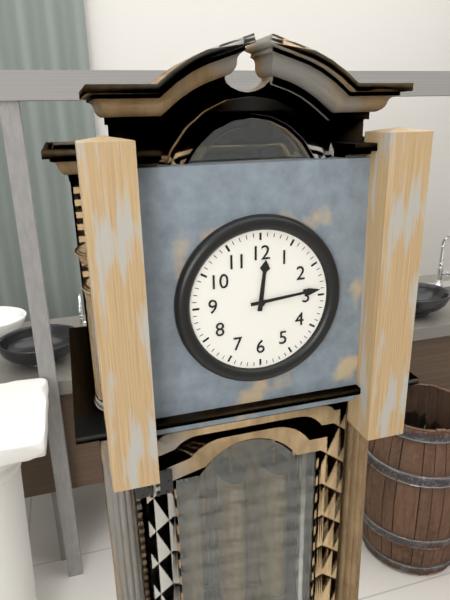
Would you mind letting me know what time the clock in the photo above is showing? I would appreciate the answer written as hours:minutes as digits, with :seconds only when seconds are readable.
12:14
